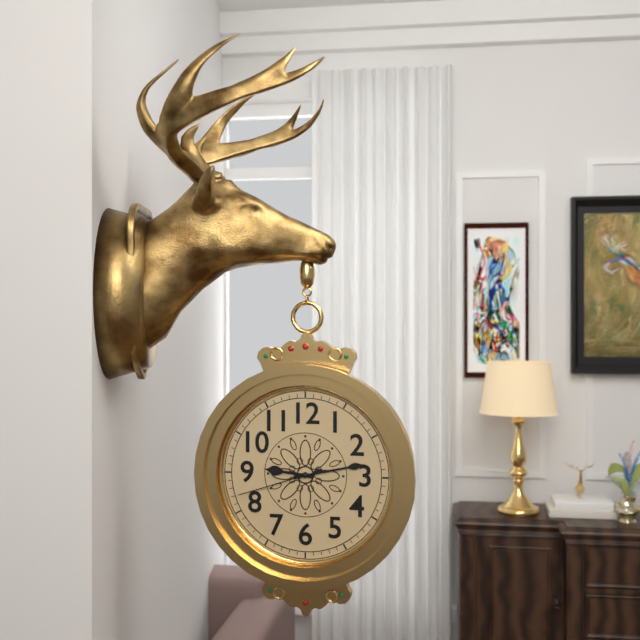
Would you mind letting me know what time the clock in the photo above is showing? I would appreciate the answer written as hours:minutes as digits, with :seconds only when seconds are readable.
9:13:42
